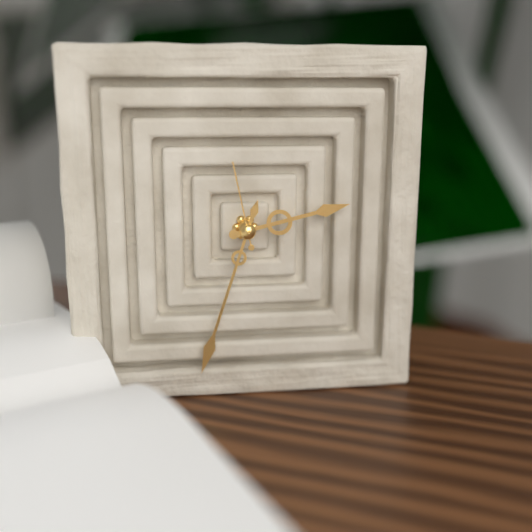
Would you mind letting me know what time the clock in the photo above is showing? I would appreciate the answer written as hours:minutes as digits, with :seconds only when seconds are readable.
2:33:58
